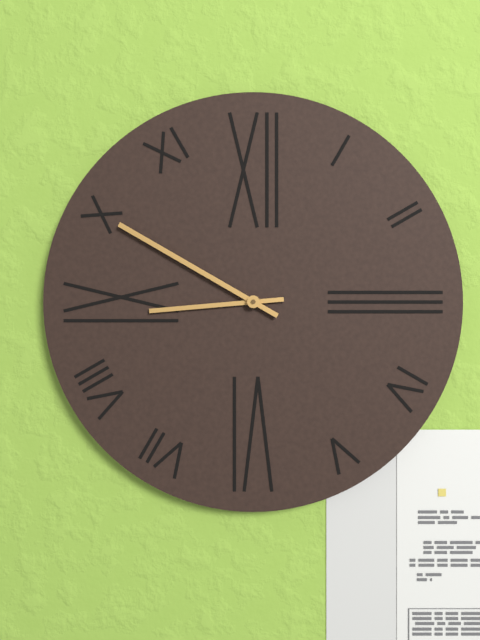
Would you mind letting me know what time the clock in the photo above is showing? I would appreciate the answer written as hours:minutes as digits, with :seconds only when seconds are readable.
8:50
